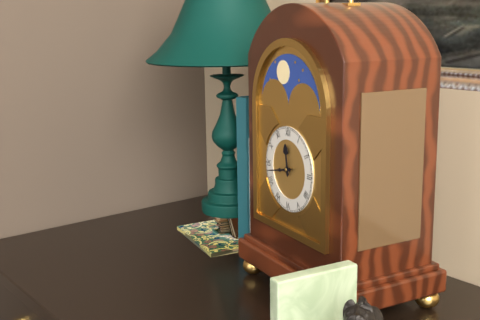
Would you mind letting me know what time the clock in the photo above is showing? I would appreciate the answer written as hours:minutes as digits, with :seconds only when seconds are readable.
11:43
